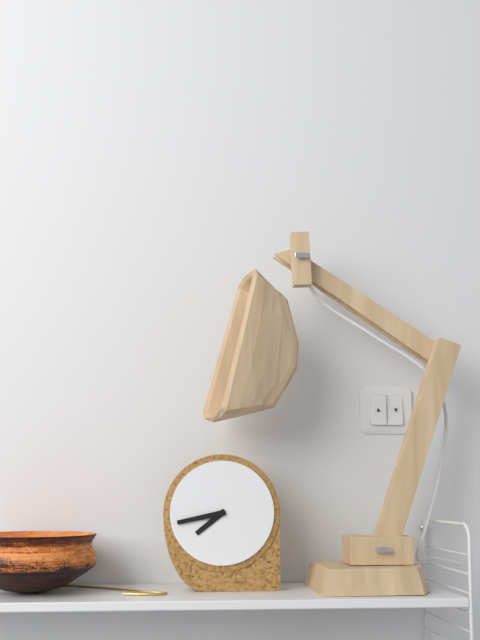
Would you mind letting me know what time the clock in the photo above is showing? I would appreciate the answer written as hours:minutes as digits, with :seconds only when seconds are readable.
7:43
